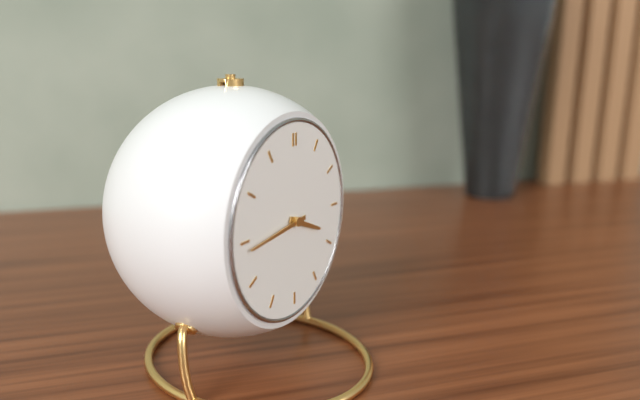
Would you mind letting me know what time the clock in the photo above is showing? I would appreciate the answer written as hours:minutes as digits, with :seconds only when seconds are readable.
3:44
